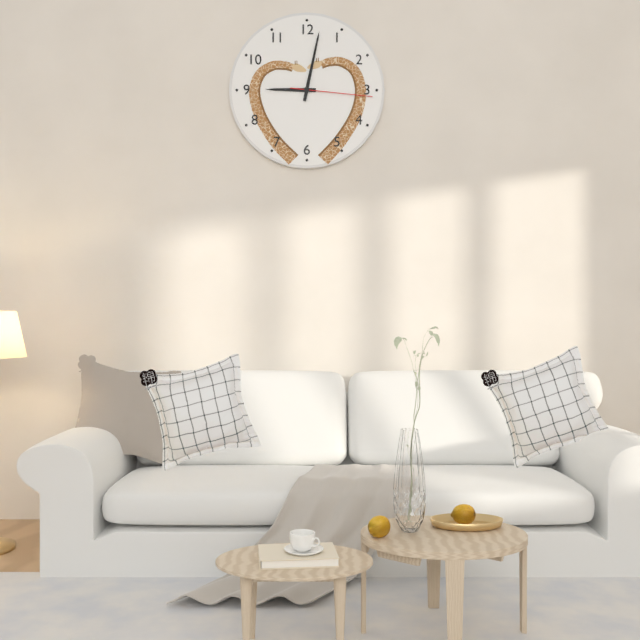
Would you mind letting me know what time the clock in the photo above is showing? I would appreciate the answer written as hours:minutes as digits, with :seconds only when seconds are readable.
9:02:16
